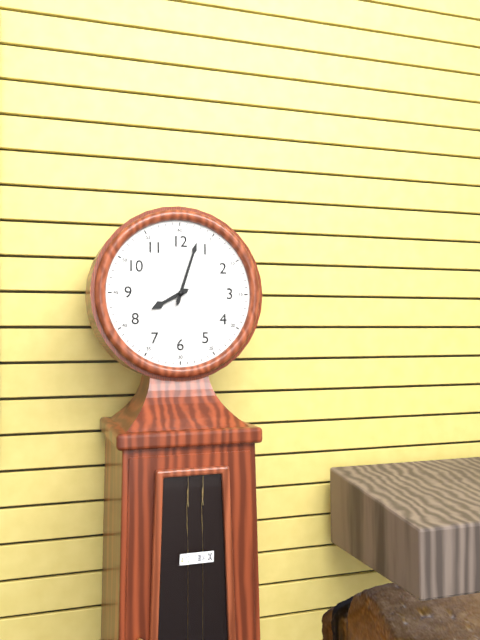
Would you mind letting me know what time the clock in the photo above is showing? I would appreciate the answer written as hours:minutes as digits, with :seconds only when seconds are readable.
8:03
